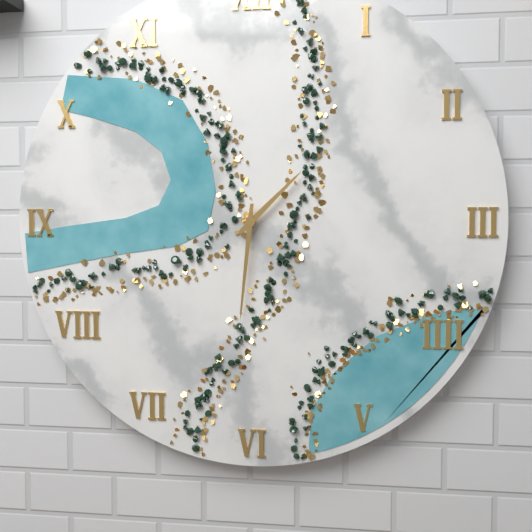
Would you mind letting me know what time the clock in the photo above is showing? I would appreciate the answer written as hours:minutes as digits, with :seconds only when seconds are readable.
1:31
